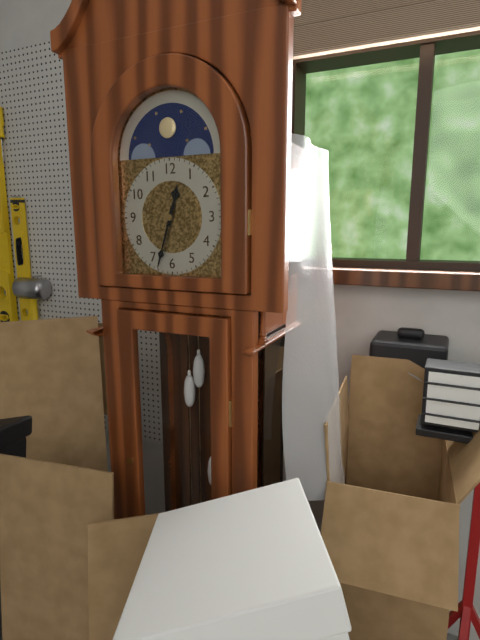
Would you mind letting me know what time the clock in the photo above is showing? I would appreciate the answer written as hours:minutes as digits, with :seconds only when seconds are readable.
12:33
